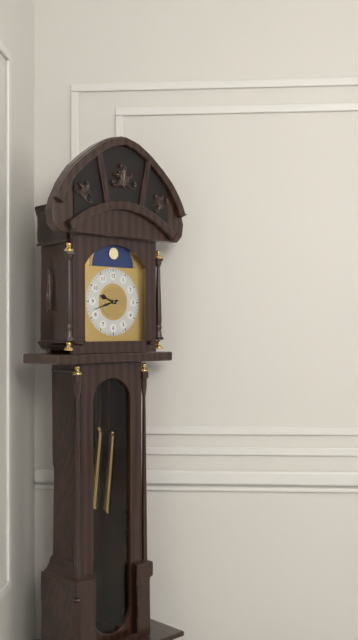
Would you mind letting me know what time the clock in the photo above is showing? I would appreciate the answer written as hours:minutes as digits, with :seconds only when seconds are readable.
9:42
